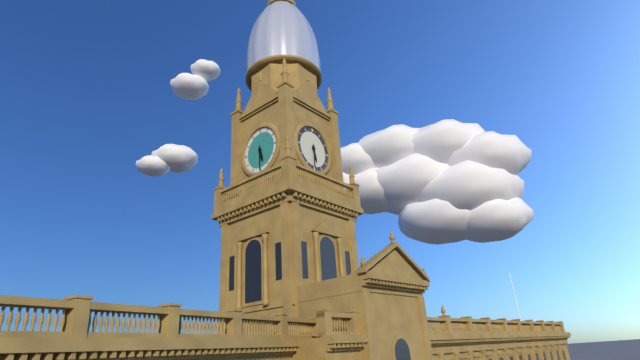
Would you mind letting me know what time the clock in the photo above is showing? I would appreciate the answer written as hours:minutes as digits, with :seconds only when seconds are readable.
5:30
